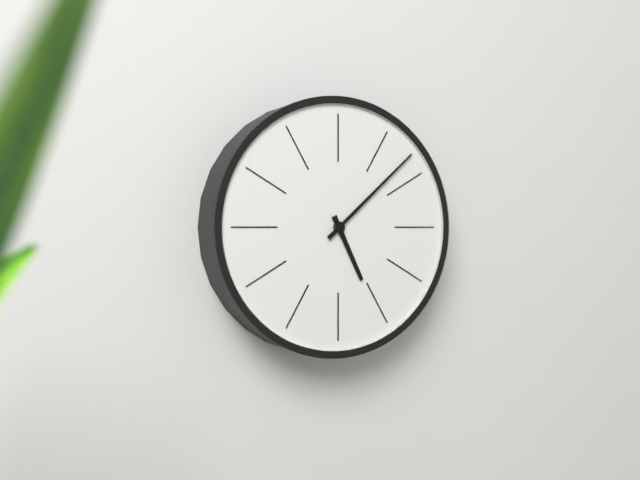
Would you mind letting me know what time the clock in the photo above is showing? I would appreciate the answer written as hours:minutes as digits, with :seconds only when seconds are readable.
5:08
